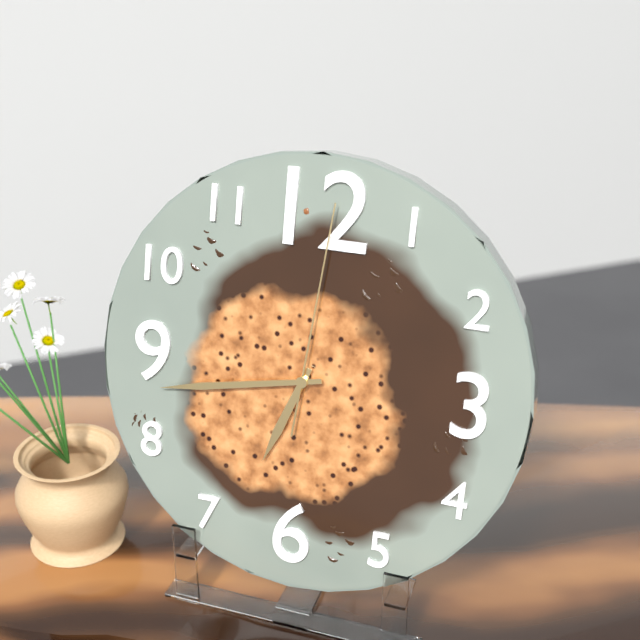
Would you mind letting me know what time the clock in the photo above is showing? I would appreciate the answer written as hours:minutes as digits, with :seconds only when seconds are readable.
6:43:01
